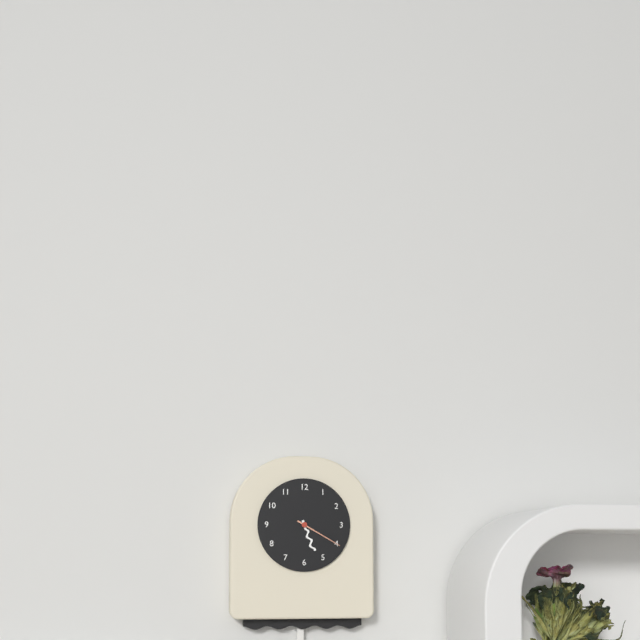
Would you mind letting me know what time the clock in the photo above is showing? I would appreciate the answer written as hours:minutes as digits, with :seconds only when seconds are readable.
5:20
